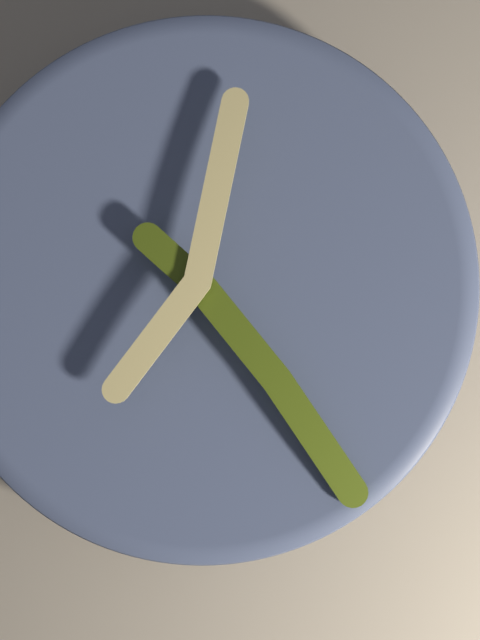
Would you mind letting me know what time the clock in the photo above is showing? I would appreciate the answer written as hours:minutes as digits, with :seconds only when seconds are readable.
12:24
